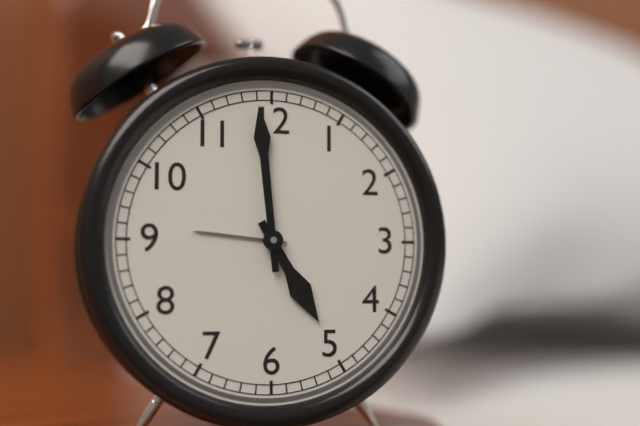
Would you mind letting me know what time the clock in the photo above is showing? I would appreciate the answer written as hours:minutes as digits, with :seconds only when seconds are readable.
4:59
